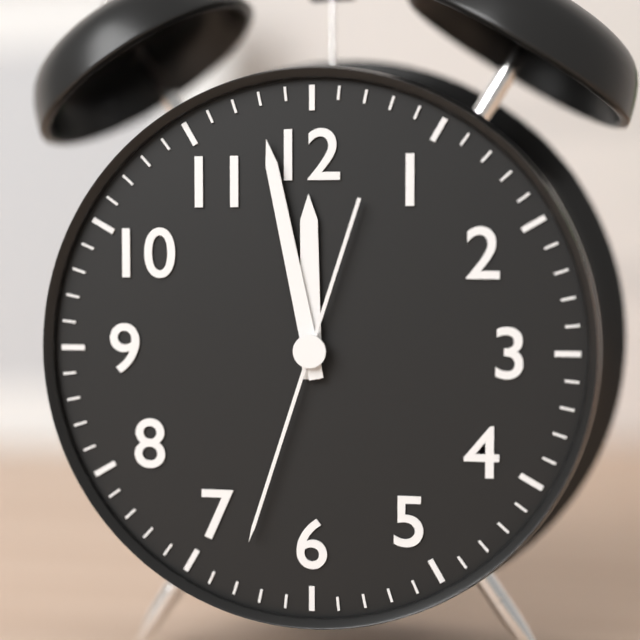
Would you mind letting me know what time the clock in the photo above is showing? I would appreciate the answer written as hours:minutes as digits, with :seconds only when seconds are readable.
11:58:33
